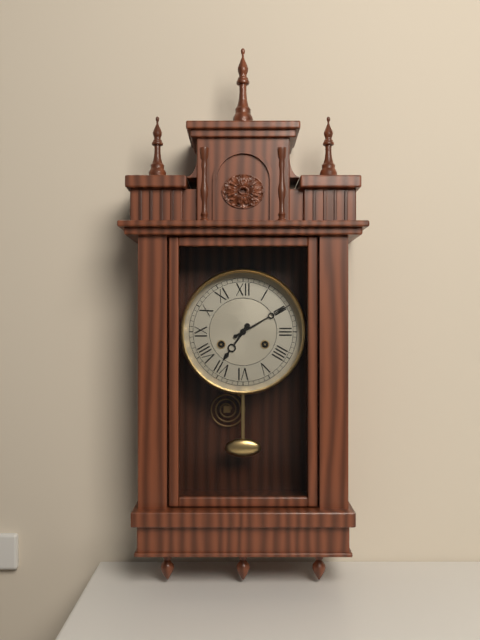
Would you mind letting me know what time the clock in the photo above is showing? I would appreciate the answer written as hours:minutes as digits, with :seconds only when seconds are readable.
7:10
